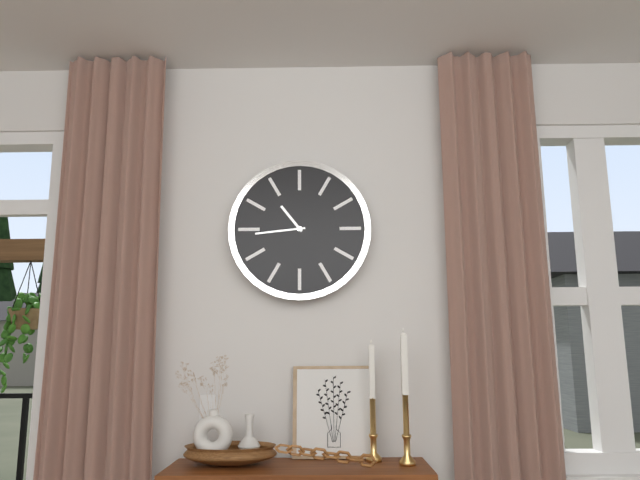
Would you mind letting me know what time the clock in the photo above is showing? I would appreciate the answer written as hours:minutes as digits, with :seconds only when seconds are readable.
10:44
